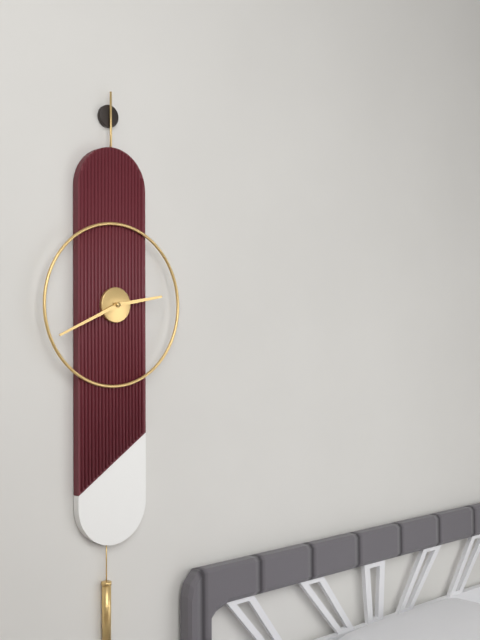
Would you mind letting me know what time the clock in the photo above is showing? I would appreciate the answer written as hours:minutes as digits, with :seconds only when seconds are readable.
2:41
